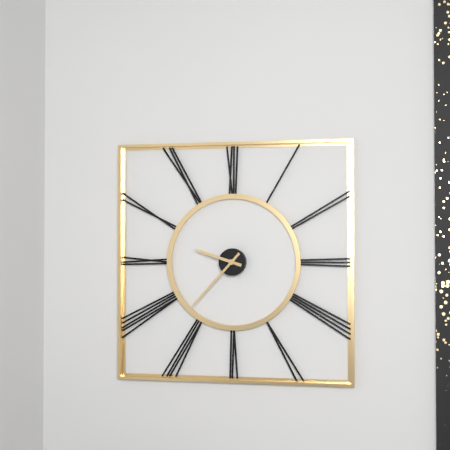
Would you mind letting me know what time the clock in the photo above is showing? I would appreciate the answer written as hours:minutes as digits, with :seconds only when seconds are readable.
9:37
